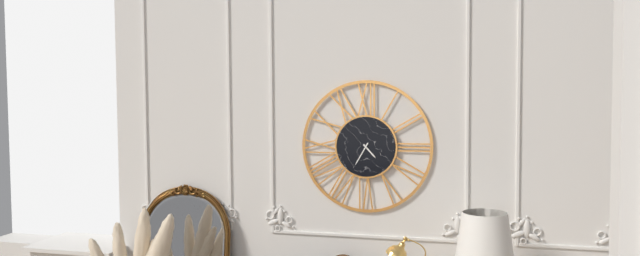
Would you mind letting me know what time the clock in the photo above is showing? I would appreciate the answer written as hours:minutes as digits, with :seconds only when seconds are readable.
4:35
